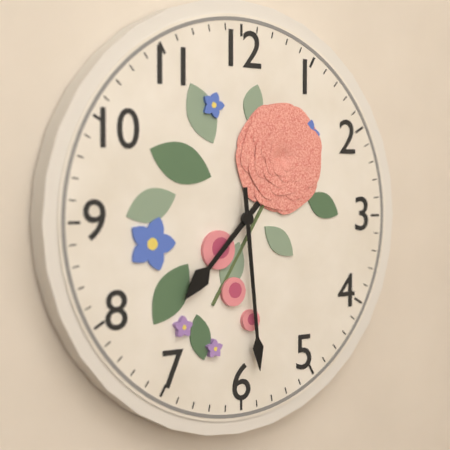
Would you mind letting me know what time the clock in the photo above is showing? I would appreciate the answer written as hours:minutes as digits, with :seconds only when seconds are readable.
7:29
